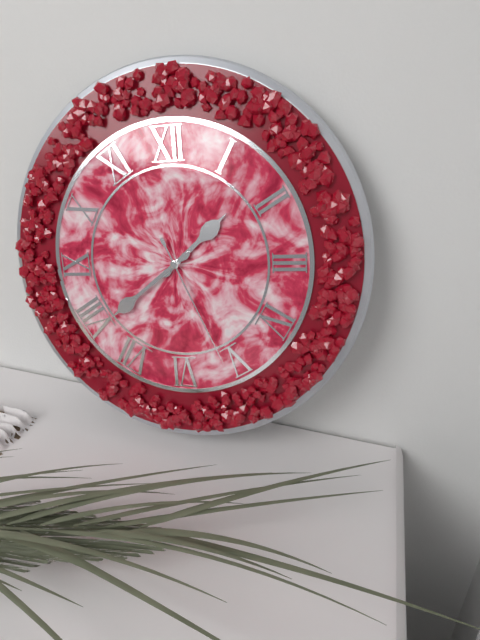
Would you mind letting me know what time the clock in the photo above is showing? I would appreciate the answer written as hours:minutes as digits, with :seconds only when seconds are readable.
1:39:26
